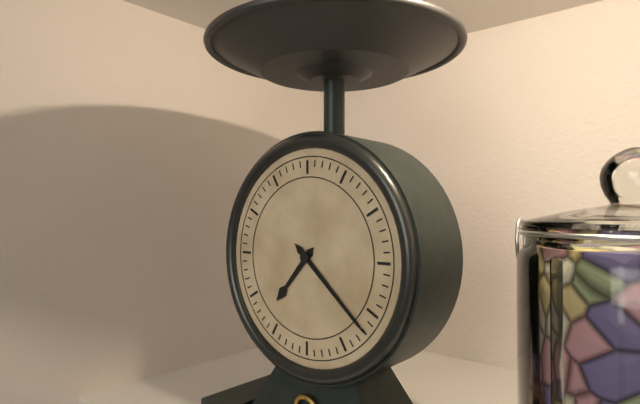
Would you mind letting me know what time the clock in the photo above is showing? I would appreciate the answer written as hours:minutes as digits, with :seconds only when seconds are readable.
7:22
